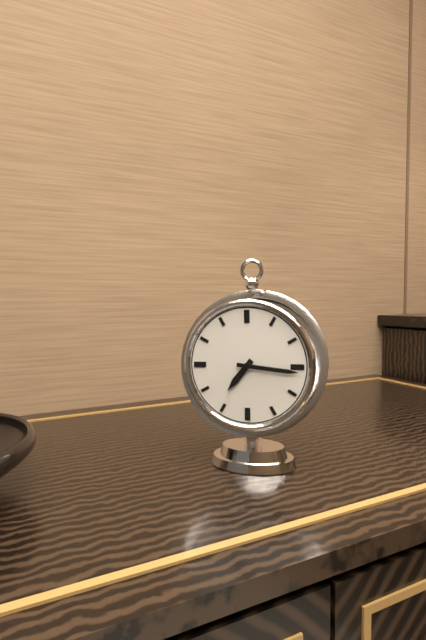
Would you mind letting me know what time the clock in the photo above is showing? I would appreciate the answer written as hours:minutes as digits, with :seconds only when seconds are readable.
7:16
